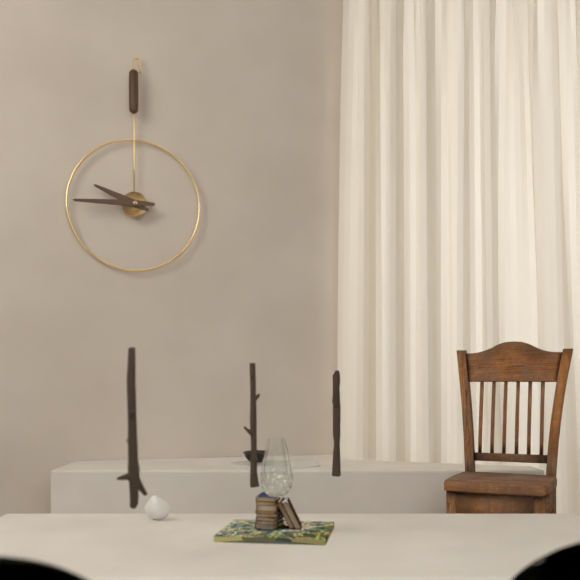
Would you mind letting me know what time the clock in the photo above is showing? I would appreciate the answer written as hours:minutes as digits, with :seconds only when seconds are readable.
9:45
